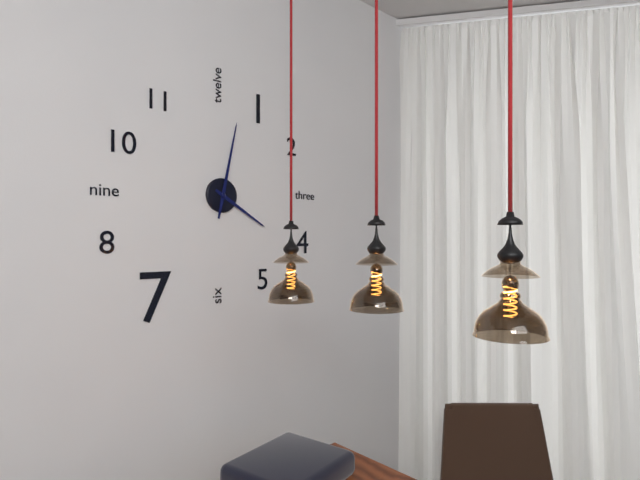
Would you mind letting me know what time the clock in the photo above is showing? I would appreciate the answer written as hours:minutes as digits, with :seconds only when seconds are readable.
4:02
